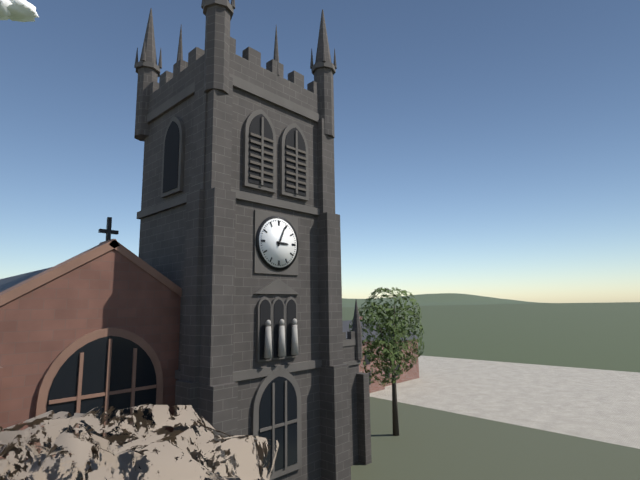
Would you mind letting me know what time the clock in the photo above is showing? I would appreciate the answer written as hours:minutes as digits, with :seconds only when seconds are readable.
3:04
